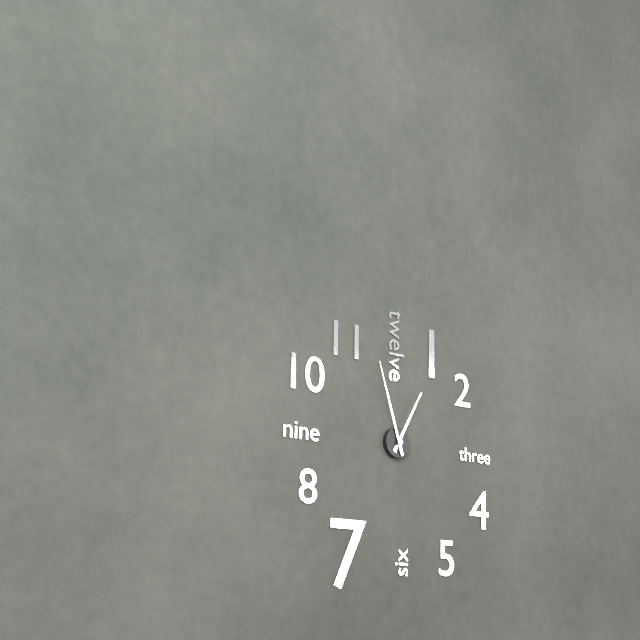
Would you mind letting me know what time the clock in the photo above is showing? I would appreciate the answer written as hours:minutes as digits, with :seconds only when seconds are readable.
12:57
